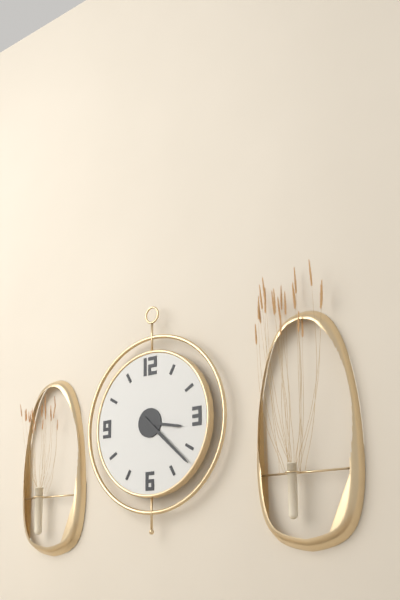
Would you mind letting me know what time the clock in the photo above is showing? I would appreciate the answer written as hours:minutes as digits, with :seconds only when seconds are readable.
3:22
